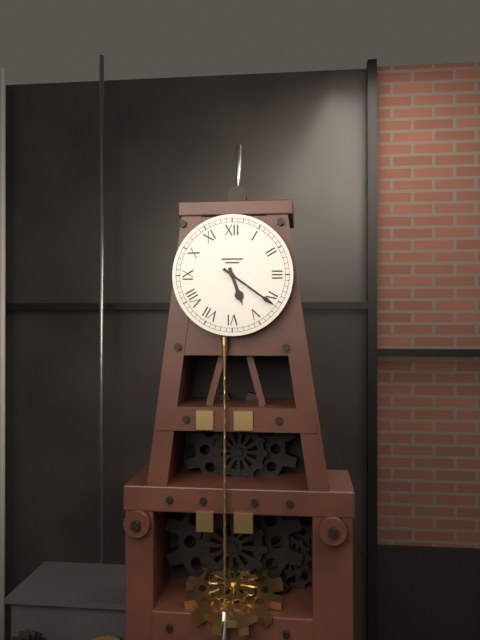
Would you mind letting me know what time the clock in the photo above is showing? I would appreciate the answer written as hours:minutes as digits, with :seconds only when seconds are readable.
5:21
